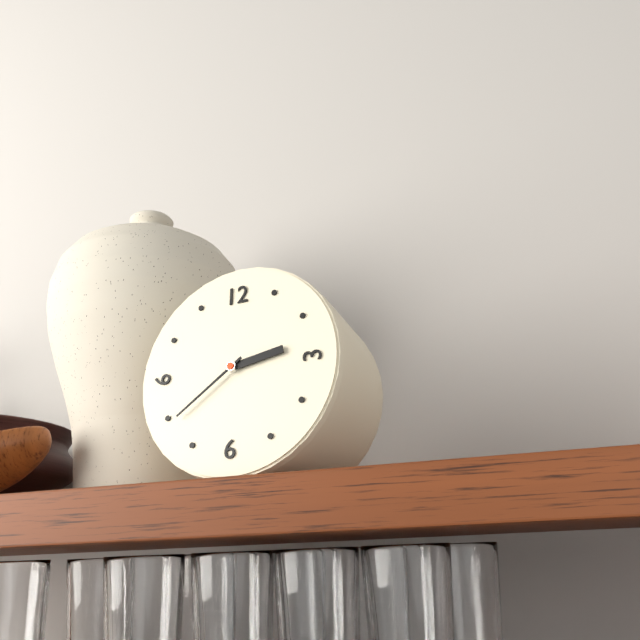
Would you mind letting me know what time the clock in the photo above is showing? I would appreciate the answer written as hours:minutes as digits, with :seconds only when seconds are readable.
2:39
